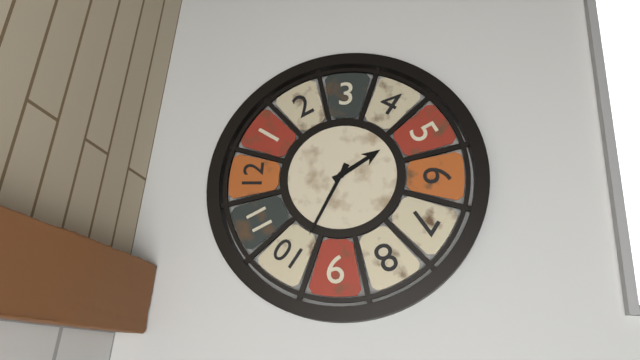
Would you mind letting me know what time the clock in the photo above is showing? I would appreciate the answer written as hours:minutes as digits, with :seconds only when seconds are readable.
4:49
